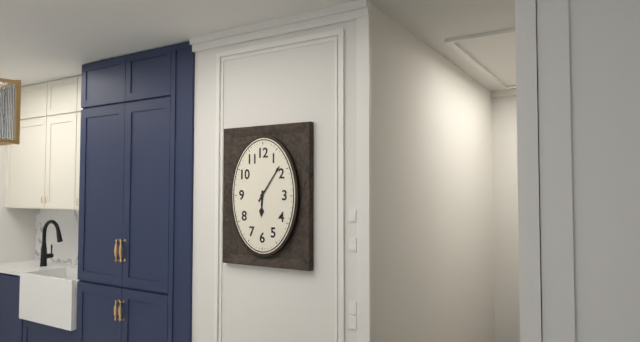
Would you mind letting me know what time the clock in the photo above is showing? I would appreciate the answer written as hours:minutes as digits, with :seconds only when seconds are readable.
6:06
